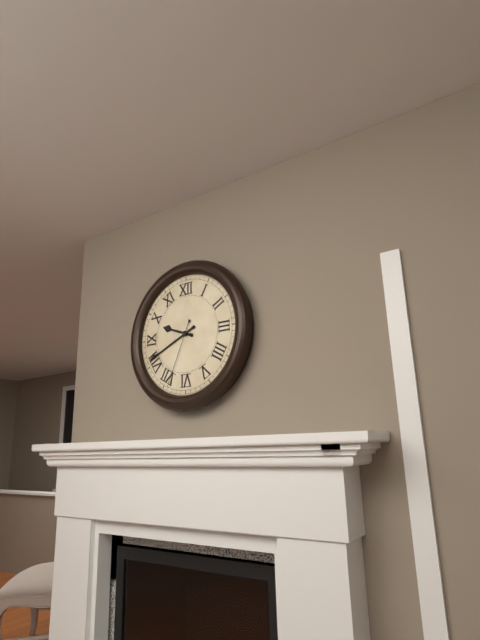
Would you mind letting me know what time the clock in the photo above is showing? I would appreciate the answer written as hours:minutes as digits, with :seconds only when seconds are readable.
9:41:34
